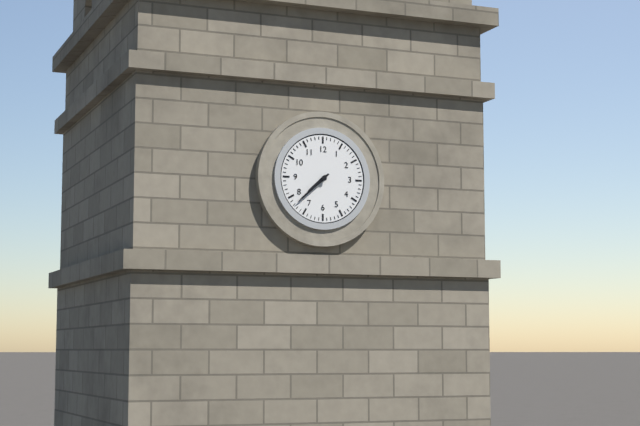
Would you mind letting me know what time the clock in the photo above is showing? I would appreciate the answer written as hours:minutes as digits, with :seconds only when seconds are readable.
7:38
